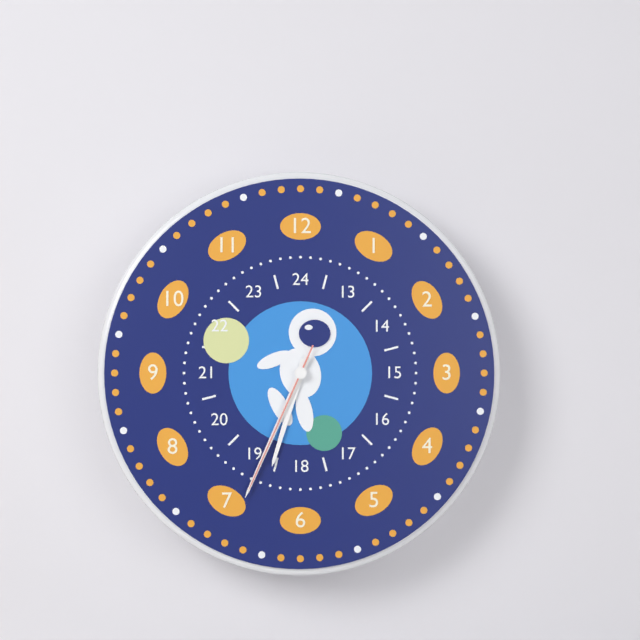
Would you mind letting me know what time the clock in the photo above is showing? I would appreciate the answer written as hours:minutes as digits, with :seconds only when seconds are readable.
6:34:34
